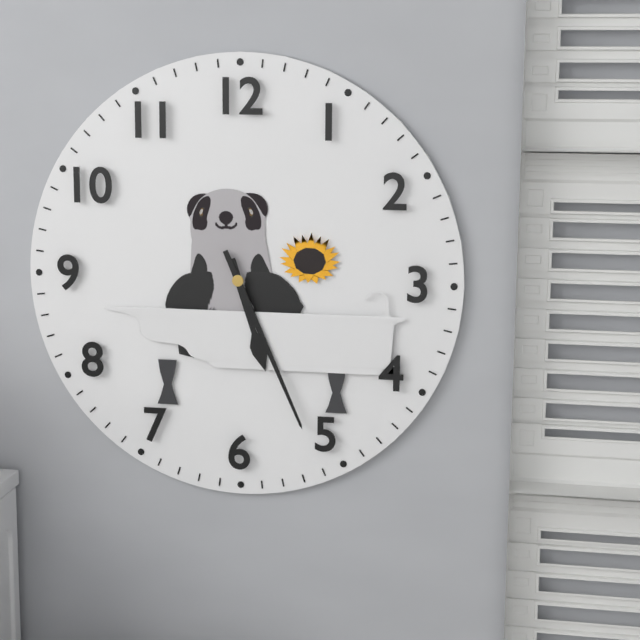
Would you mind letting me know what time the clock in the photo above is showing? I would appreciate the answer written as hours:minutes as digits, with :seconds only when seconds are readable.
5:26
